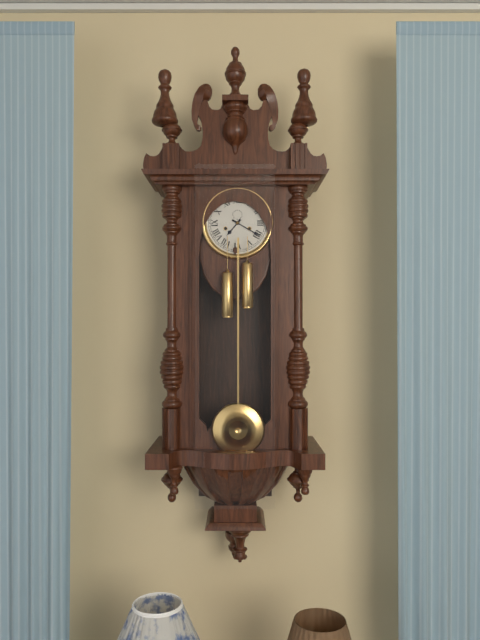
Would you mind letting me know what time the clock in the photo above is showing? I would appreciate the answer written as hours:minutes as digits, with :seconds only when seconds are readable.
7:20
